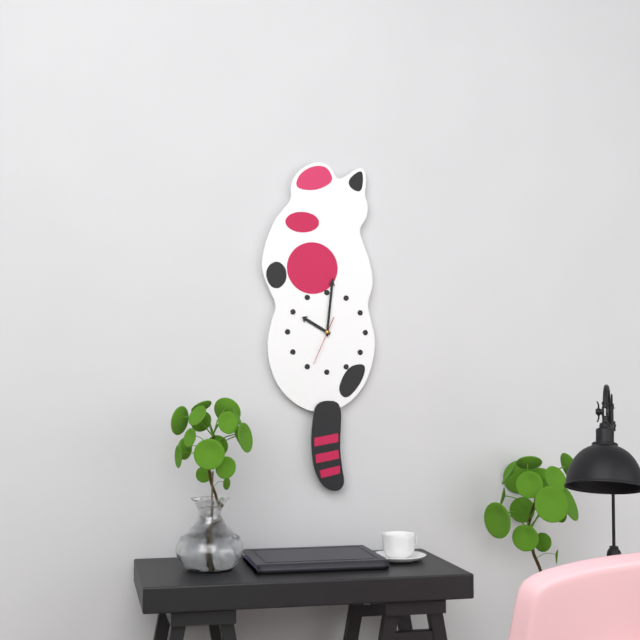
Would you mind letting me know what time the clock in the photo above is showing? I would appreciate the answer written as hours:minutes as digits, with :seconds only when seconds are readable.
10:01
